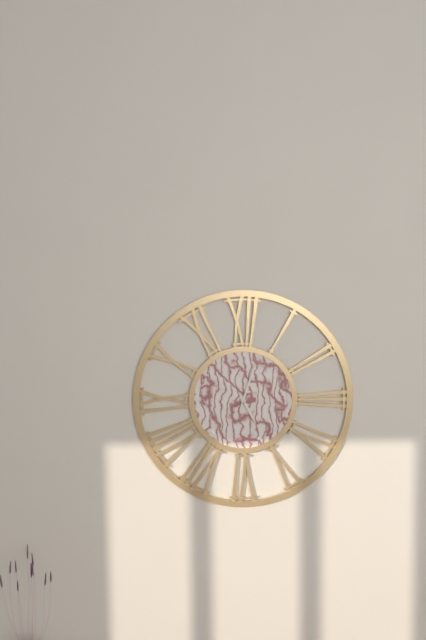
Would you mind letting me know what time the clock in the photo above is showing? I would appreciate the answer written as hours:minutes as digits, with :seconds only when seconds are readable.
5:03
